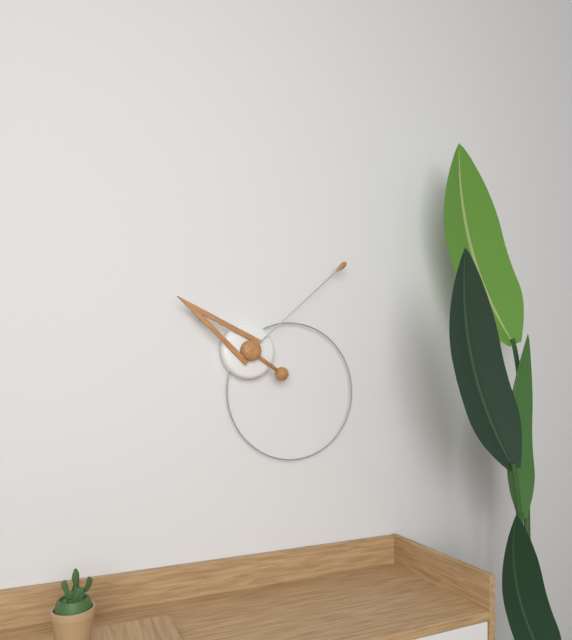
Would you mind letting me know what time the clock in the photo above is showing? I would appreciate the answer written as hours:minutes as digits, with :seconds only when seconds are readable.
10:08
